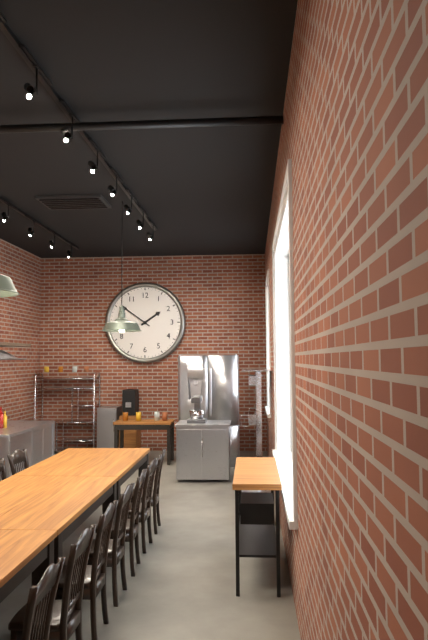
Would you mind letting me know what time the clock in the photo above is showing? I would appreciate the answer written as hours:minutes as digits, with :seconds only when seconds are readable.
1:51
